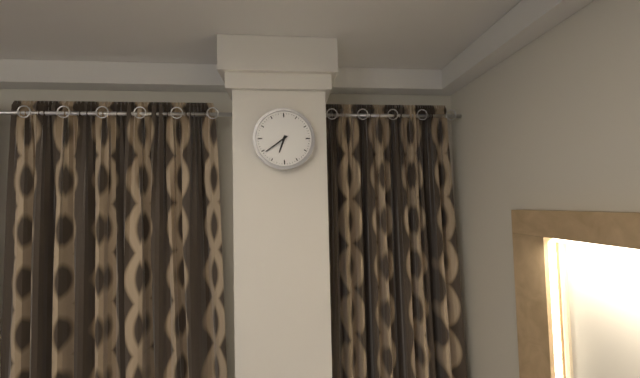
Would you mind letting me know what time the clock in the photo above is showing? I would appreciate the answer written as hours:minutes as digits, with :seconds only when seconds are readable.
6:39
